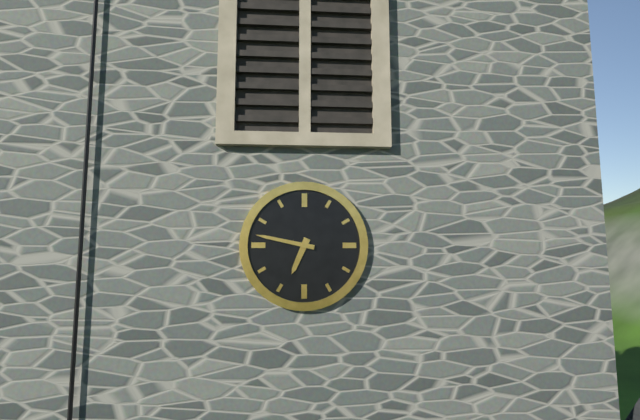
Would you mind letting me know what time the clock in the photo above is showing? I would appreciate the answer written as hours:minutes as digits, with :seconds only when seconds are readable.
6:47
